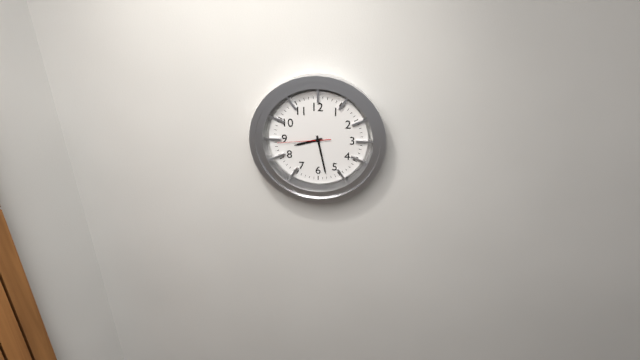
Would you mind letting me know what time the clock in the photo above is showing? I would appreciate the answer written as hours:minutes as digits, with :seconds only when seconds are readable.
8:28:44
